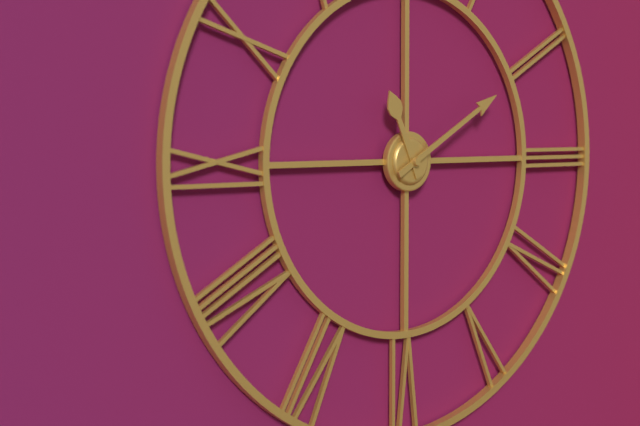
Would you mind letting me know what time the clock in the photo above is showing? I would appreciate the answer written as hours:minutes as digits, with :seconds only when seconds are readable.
11:10
